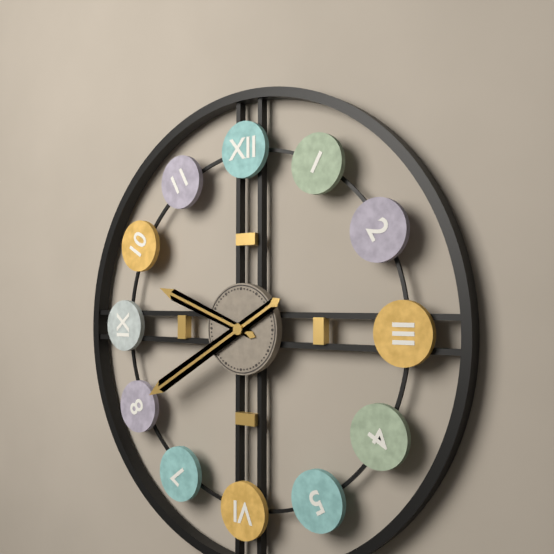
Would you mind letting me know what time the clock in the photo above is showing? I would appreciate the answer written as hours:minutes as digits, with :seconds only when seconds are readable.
9:40
